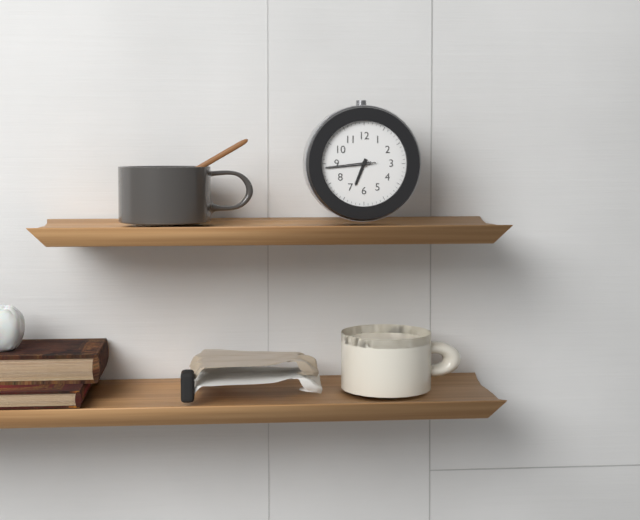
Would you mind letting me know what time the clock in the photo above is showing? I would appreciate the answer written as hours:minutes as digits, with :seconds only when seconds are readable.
6:44
